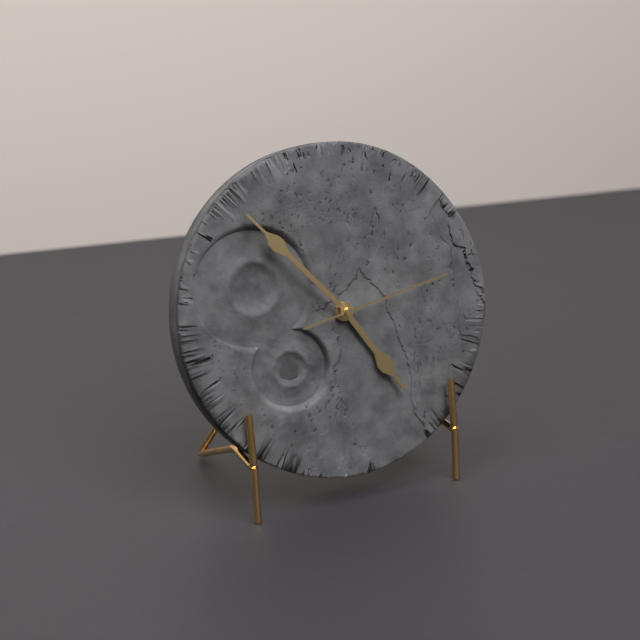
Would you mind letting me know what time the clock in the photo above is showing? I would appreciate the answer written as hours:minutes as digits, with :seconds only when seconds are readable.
4:53:13
